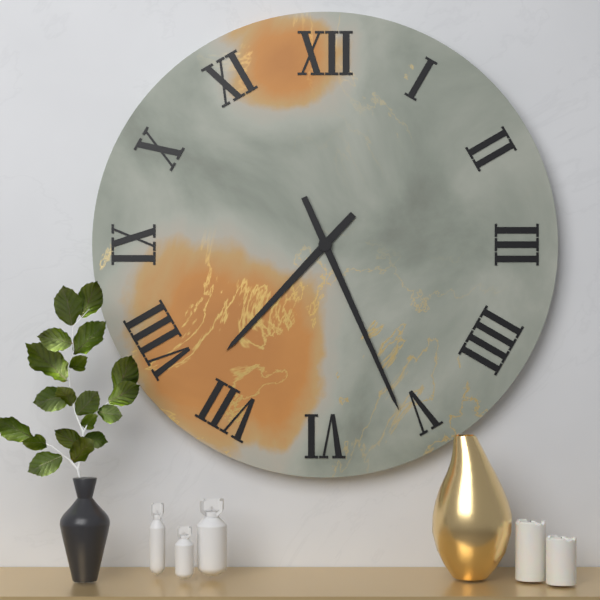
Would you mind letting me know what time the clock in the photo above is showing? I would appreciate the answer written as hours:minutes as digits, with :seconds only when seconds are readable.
7:26
